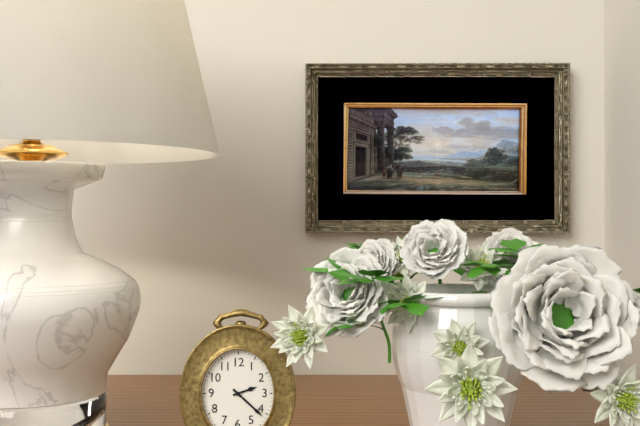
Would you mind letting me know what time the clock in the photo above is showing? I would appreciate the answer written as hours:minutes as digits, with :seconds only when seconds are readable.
2:22
